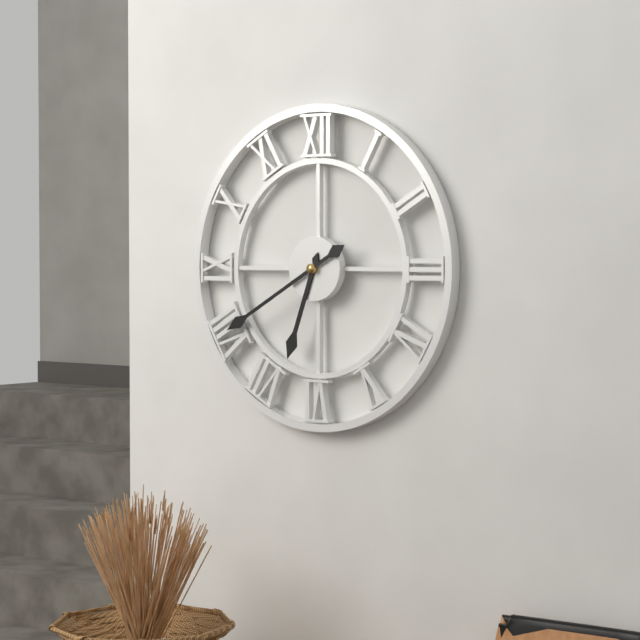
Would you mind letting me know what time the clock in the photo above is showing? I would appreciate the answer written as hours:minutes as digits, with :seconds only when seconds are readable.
6:40
